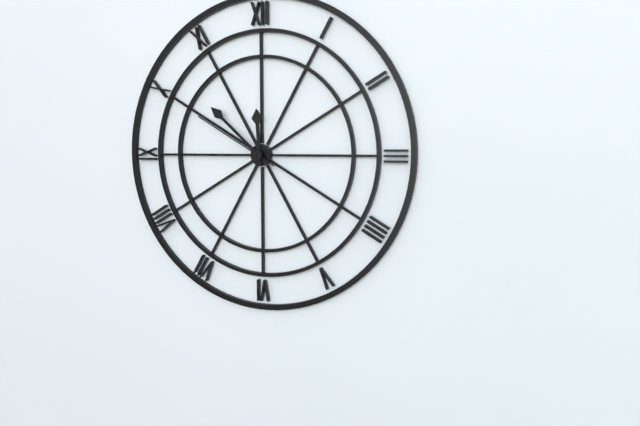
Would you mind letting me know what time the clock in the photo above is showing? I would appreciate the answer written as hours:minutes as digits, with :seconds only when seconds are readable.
11:52:50
